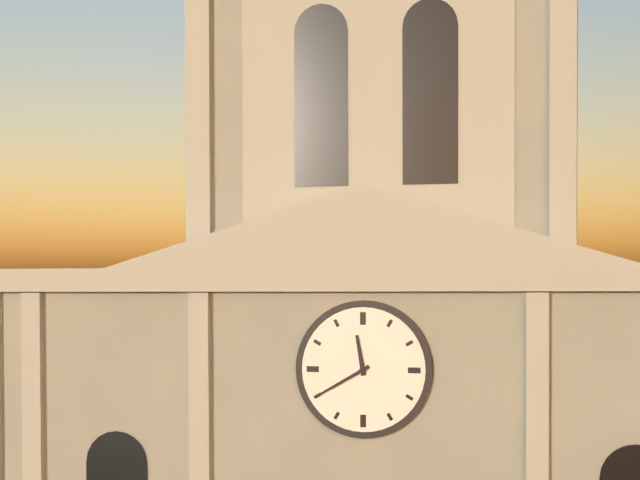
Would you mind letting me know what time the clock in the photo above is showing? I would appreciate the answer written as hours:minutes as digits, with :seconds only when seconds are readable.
11:40
